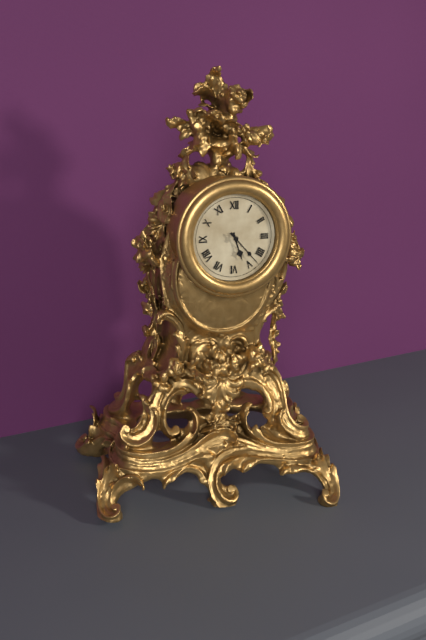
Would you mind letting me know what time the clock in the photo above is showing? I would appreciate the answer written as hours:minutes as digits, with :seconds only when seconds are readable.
5:23
